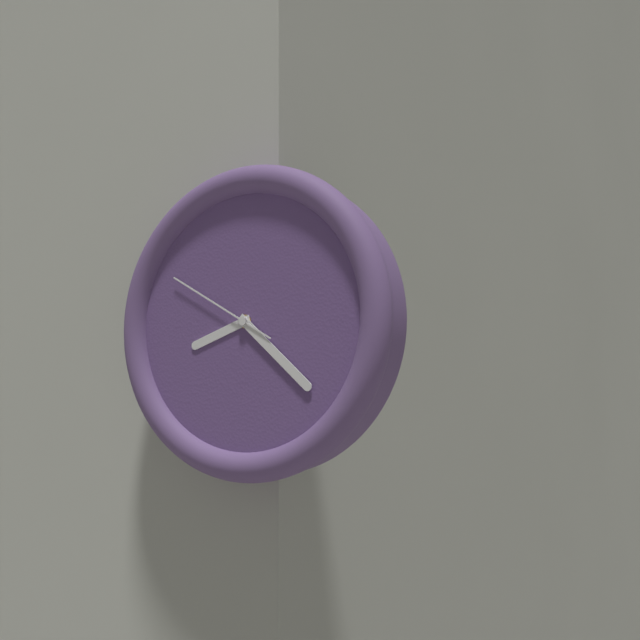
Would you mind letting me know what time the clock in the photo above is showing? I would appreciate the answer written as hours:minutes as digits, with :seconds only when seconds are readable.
8:22:50
